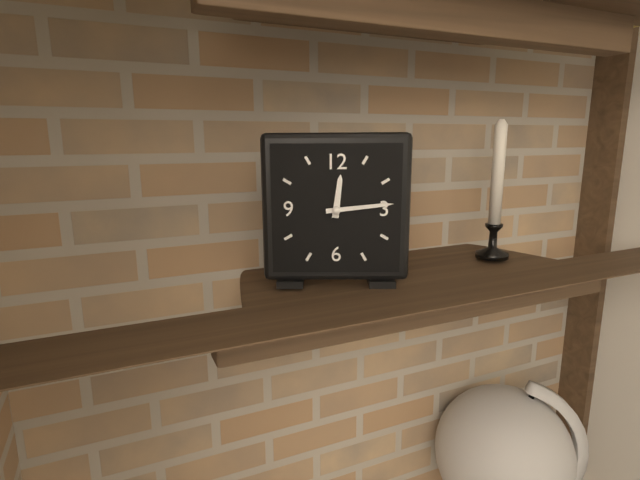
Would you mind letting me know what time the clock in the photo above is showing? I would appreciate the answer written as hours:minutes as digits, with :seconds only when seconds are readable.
12:14
